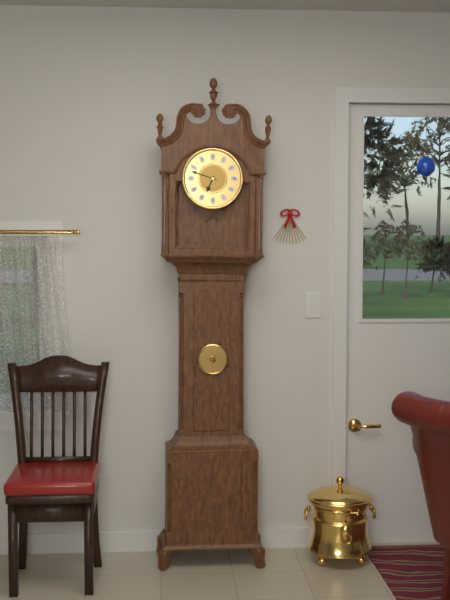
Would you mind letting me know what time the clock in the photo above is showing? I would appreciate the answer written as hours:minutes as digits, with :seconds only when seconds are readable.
6:48
